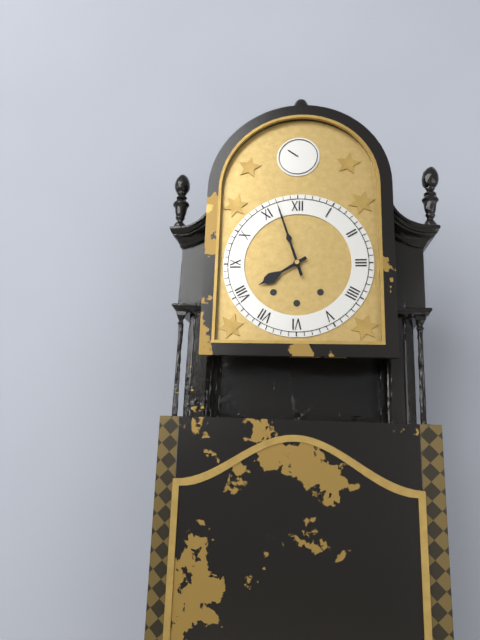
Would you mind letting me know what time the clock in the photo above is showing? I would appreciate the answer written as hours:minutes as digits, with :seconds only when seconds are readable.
7:57
